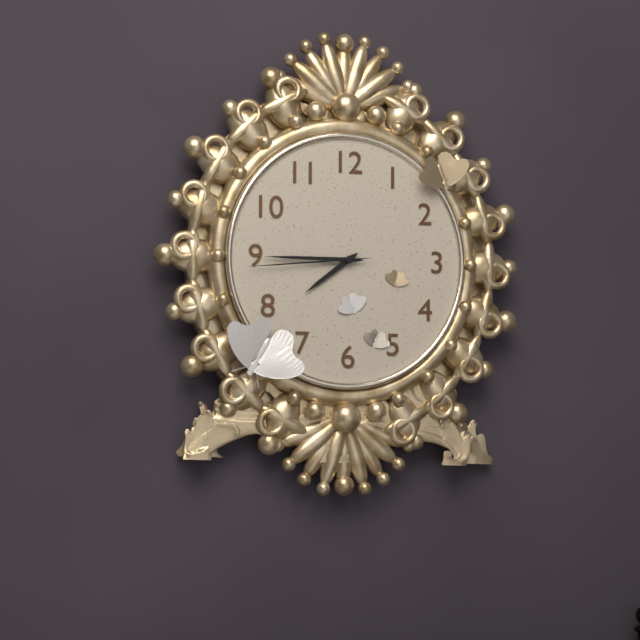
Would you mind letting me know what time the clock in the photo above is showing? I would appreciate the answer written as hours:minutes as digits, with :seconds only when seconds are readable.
7:45:44
